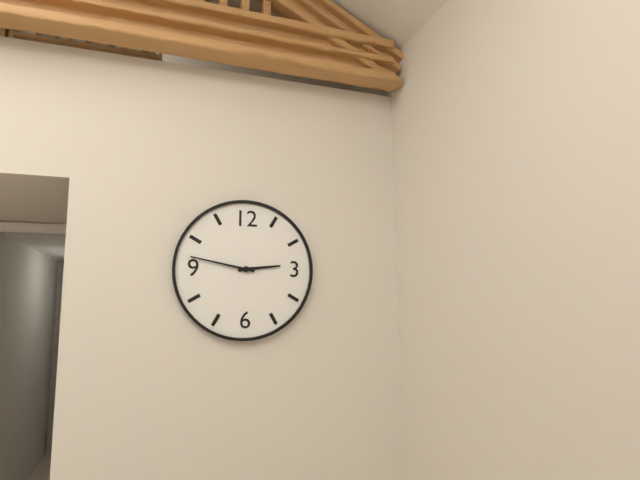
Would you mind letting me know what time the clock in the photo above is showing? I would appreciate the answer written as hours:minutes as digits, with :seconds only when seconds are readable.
2:47
